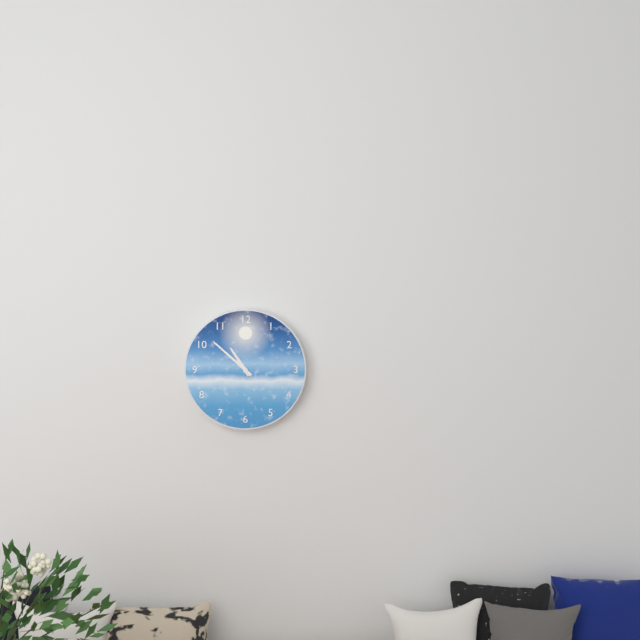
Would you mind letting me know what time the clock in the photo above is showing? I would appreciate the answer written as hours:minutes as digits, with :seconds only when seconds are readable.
10:52
